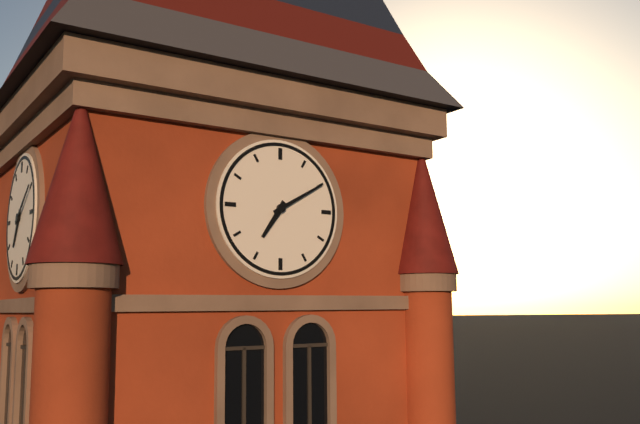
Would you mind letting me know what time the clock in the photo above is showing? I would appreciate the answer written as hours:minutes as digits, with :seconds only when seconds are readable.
7:10
